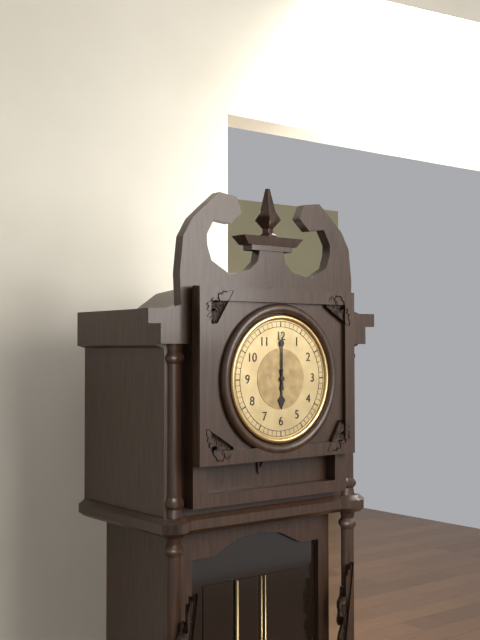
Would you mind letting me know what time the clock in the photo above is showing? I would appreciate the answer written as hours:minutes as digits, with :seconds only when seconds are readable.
6:00
